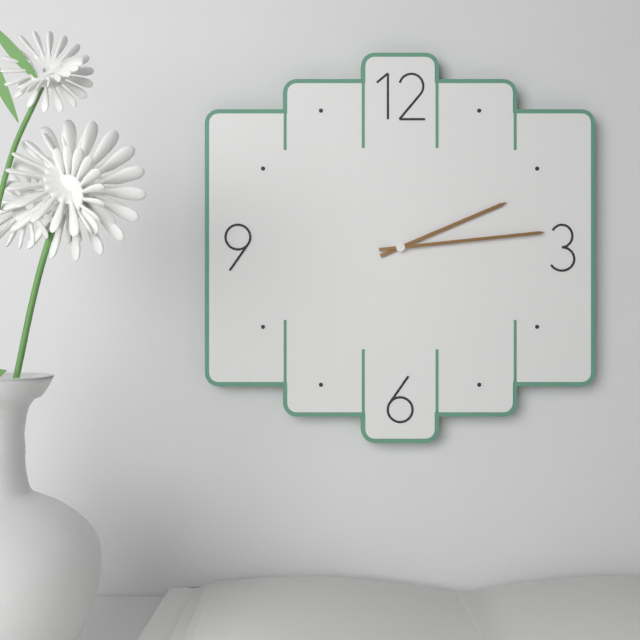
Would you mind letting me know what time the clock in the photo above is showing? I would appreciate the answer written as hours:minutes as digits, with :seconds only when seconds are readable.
2:14
